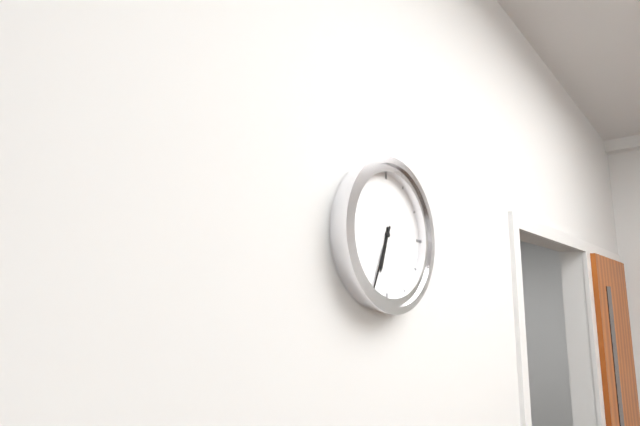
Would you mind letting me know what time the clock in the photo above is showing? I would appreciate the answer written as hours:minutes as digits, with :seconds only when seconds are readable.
6:34
